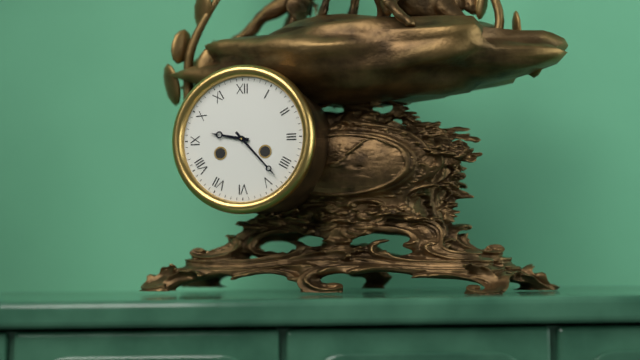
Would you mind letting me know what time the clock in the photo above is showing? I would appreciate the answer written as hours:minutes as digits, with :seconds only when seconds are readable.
9:23
